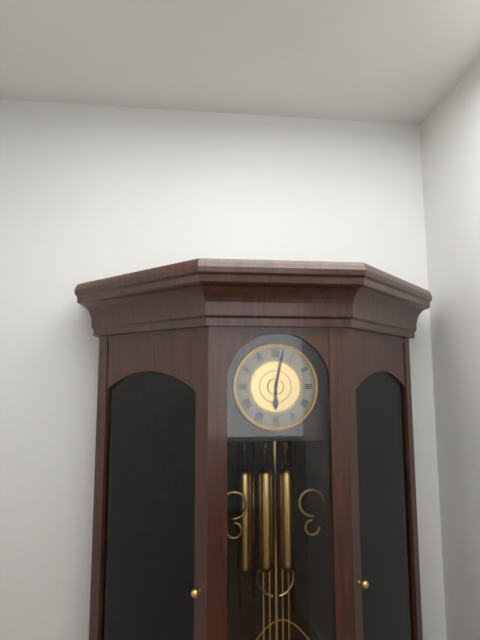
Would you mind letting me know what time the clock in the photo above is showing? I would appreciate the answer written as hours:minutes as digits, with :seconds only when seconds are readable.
6:02
